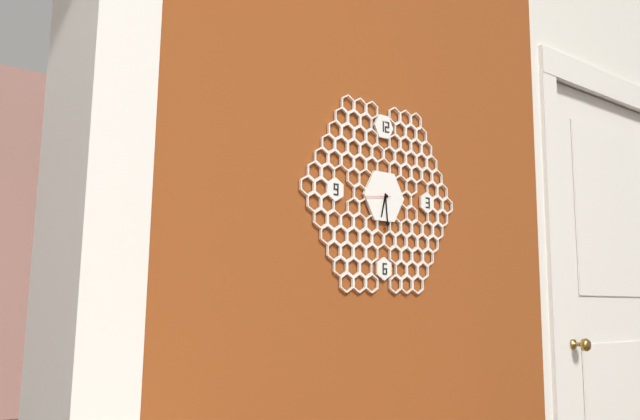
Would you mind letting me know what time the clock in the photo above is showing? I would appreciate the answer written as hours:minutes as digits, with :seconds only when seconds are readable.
6:29
